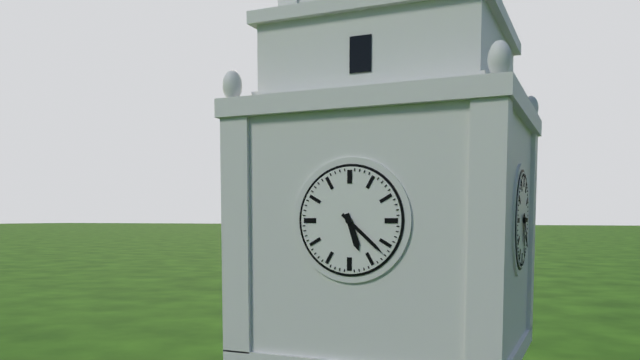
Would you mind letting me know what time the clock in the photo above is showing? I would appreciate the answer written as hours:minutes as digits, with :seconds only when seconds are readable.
5:22
